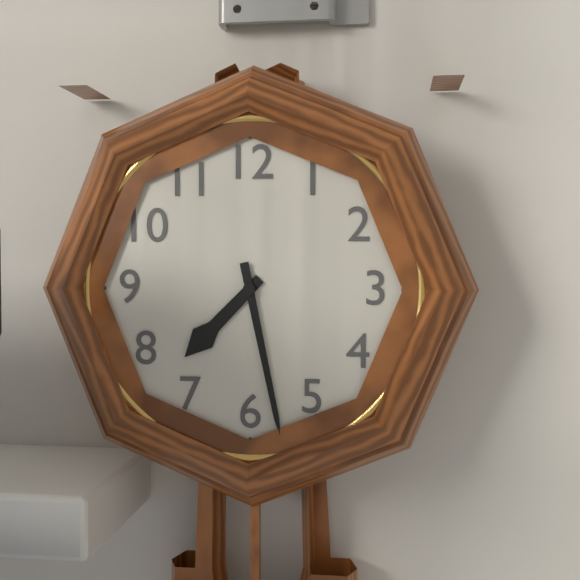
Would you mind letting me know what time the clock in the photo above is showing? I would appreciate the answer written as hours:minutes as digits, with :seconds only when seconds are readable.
7:28
